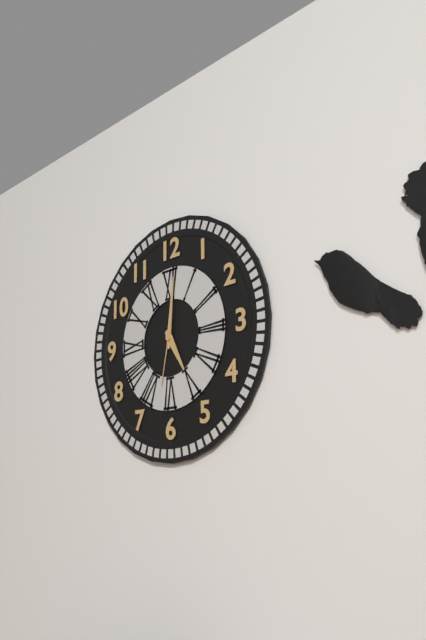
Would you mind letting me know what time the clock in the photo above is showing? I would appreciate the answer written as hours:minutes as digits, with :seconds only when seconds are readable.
5:01:32
